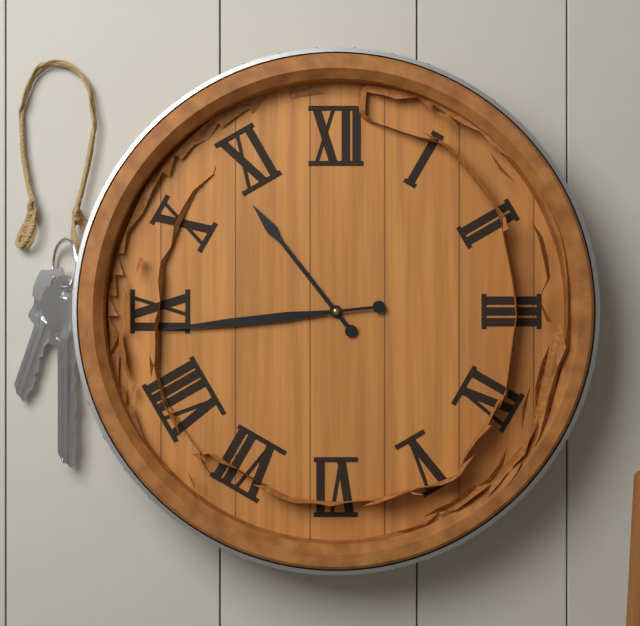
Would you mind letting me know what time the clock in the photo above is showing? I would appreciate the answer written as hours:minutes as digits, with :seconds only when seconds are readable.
10:44
